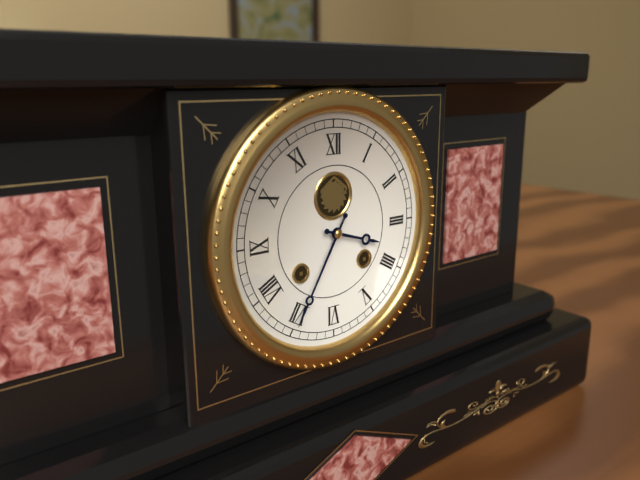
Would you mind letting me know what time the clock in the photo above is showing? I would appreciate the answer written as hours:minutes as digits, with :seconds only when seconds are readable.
3:35
